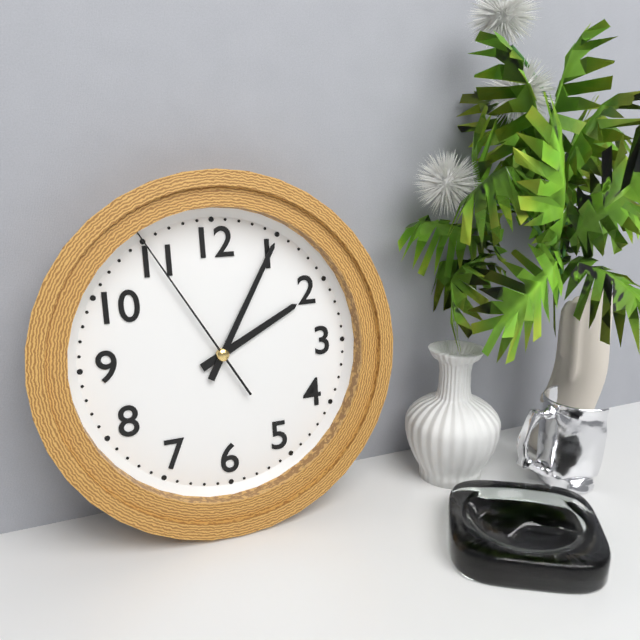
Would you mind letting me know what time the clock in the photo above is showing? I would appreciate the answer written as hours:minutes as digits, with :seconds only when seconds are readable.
2:05:55
